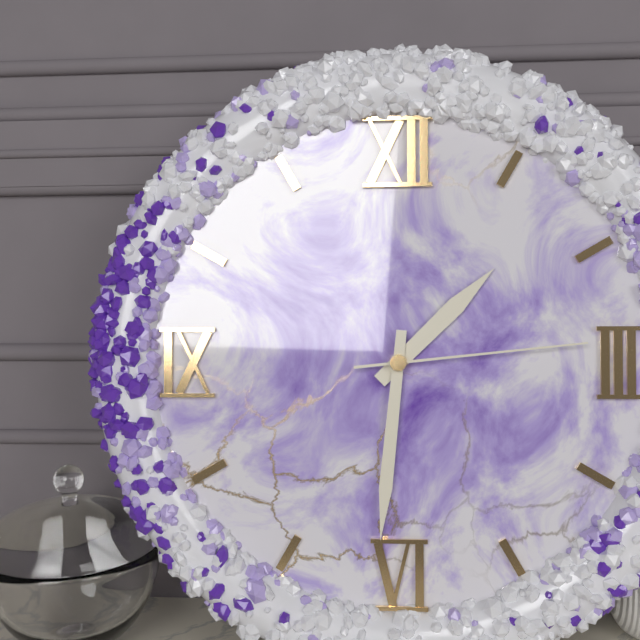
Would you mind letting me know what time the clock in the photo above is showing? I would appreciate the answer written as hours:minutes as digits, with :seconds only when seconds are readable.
1:31:14
